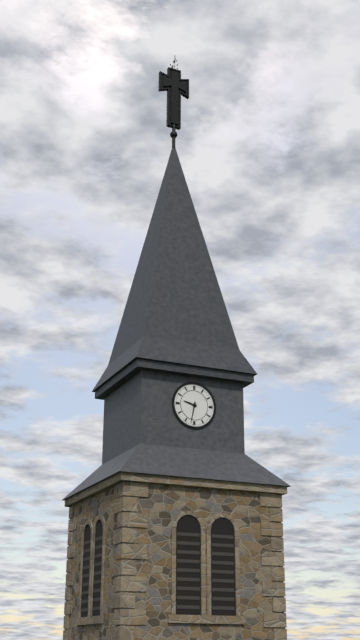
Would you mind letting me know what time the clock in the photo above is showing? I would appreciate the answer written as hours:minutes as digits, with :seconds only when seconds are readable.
9:32
